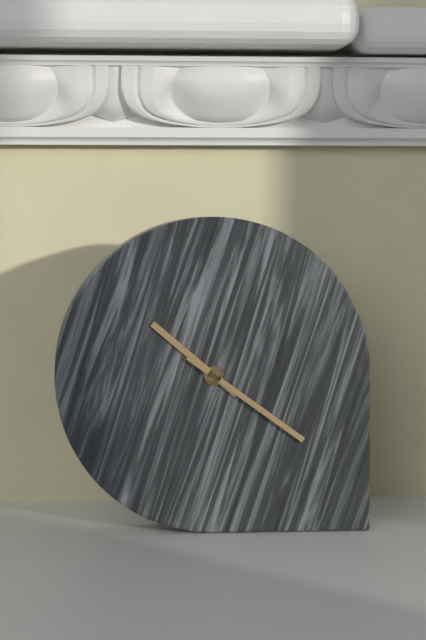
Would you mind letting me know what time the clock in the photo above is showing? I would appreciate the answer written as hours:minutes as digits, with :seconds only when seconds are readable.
10:21
